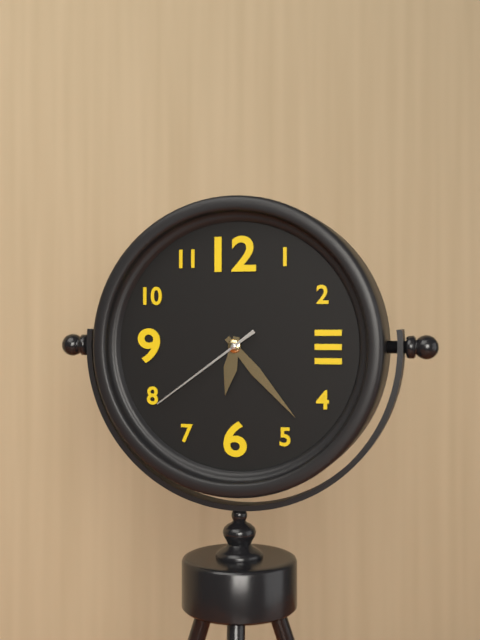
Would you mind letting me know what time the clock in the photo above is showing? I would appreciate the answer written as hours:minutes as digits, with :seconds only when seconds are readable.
6:23:39
